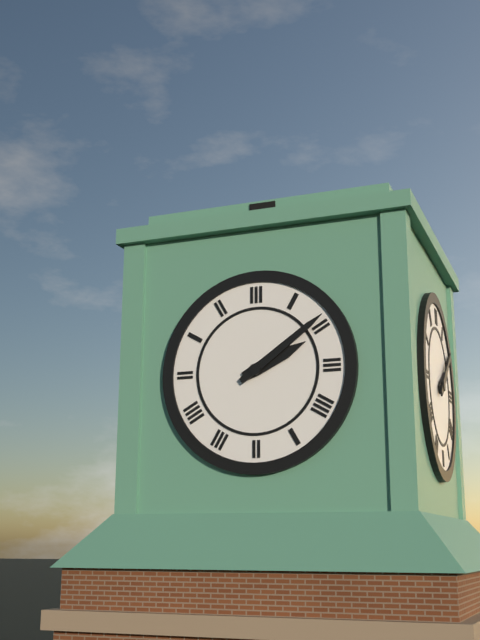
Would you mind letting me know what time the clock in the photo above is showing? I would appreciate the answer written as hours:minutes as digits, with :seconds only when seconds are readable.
2:09
